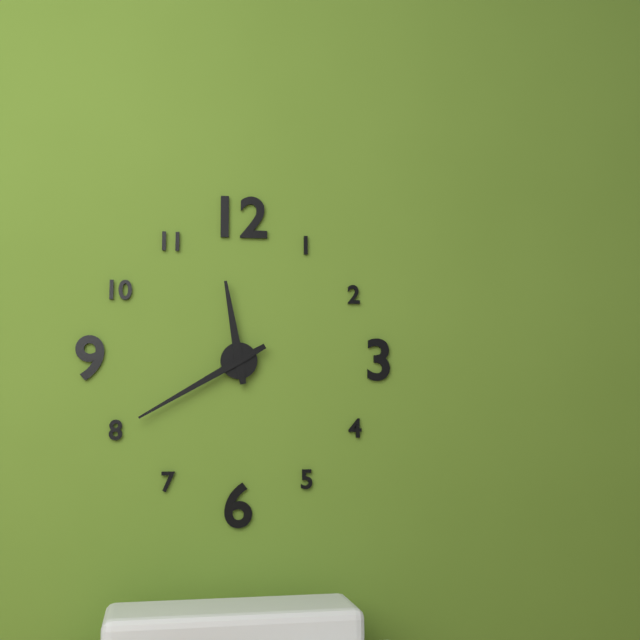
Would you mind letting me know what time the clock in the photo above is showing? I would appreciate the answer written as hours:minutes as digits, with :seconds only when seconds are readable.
11:40
